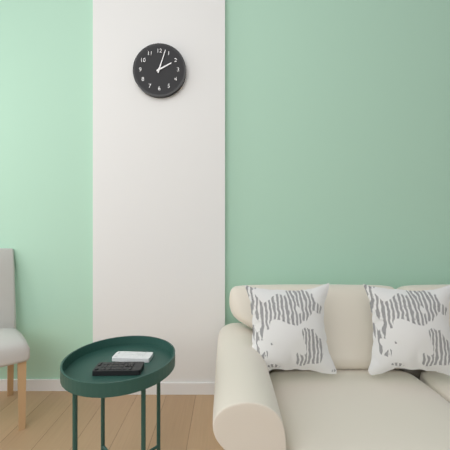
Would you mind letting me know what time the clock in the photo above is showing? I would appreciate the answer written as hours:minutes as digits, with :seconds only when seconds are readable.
2:03
